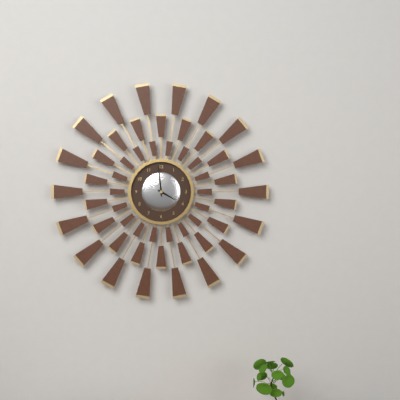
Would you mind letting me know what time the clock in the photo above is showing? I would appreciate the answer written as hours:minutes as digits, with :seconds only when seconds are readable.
3:59
